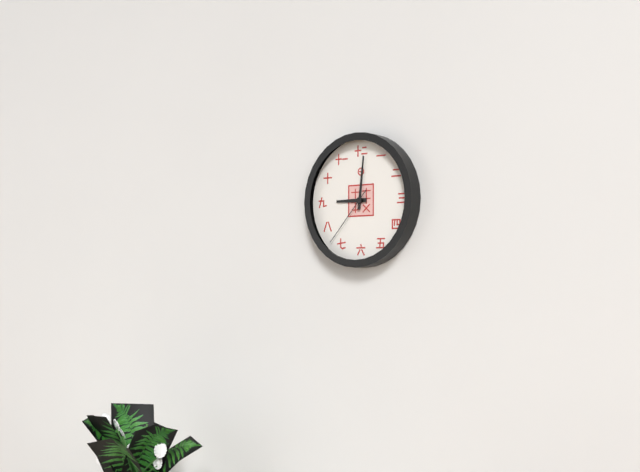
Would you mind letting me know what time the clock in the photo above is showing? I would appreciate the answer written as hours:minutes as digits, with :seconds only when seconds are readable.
9:01:37
